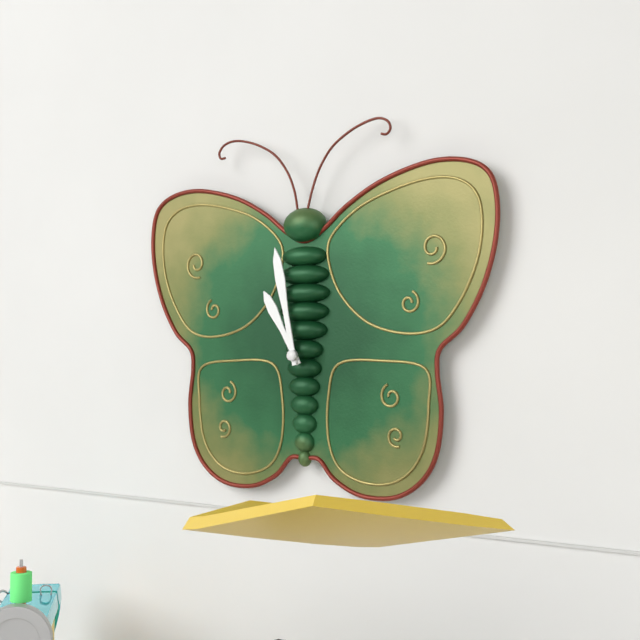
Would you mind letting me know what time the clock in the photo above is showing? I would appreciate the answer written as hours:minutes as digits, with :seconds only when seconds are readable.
10:58
